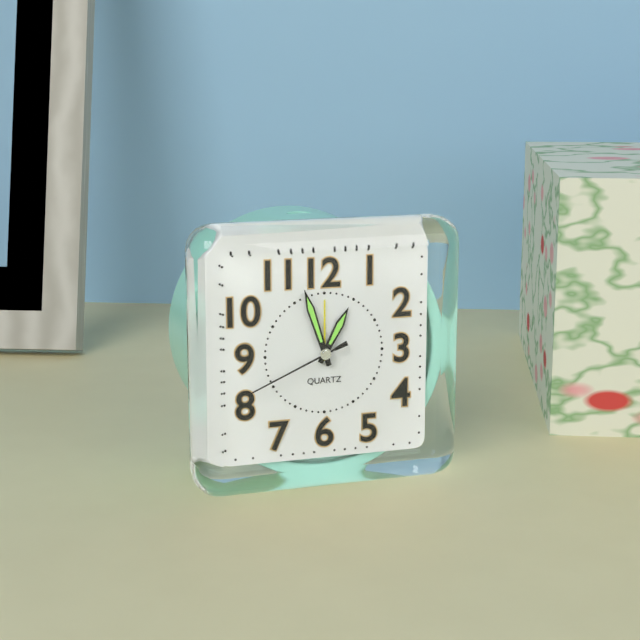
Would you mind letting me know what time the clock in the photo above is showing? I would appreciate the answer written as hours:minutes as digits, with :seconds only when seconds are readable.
12:57:41
